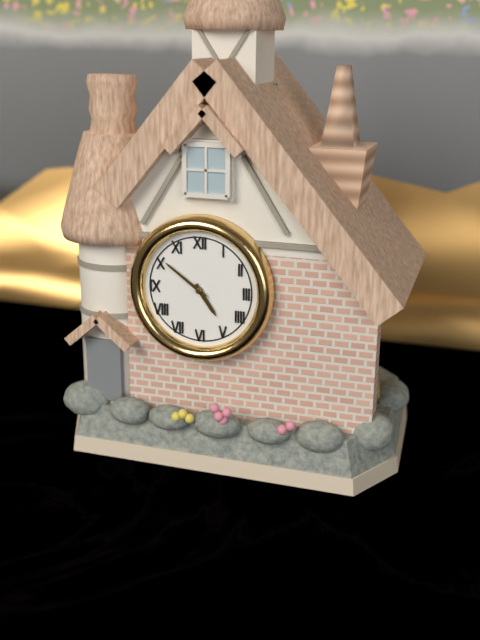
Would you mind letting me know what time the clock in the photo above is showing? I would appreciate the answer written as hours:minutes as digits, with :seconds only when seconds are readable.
4:51
